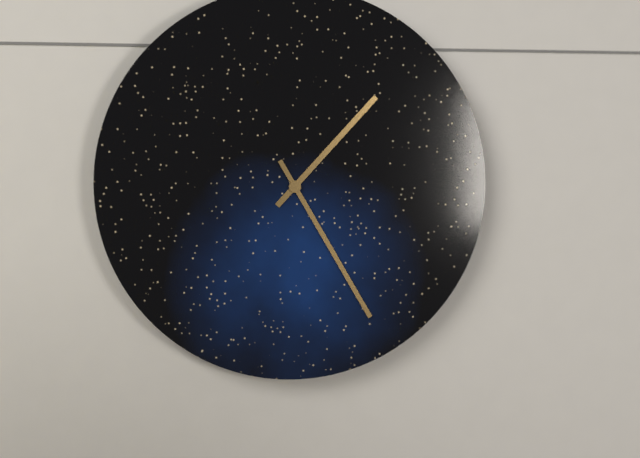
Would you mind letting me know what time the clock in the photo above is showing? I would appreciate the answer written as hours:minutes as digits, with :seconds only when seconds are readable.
1:25
